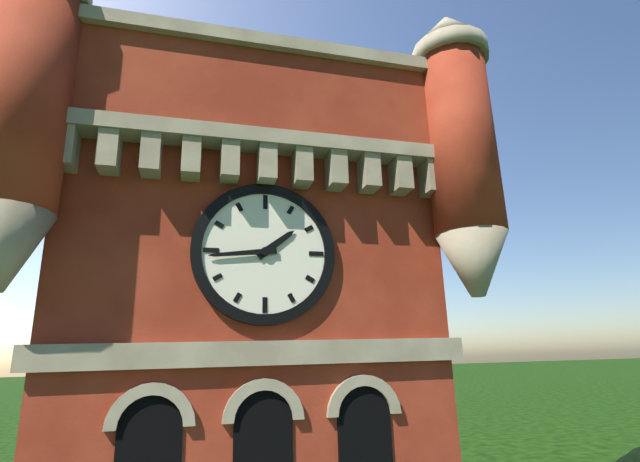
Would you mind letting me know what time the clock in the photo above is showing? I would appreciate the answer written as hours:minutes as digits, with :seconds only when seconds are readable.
1:44
